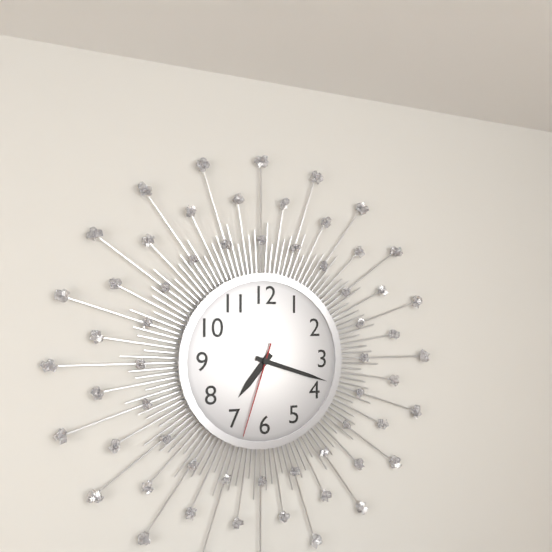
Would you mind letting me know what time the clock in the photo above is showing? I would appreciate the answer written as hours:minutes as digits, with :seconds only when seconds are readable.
7:18:33
